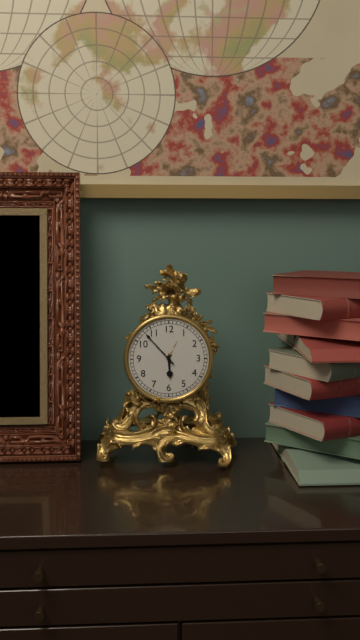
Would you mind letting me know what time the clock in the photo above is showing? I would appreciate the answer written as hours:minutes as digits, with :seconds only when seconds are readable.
5:53
